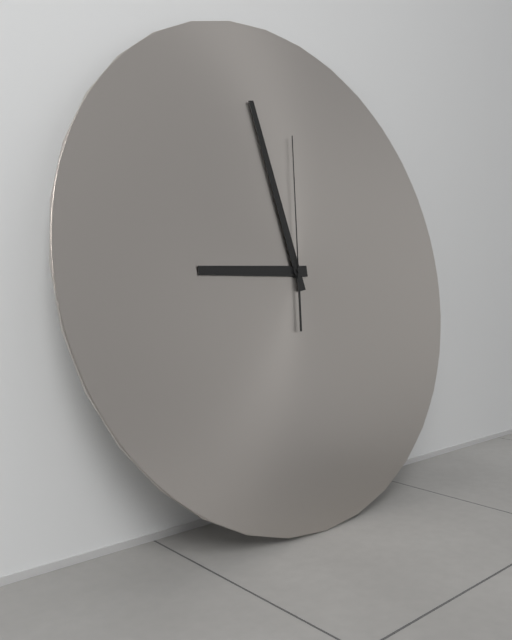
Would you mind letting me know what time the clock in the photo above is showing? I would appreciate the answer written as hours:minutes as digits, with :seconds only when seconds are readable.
8:58:01
